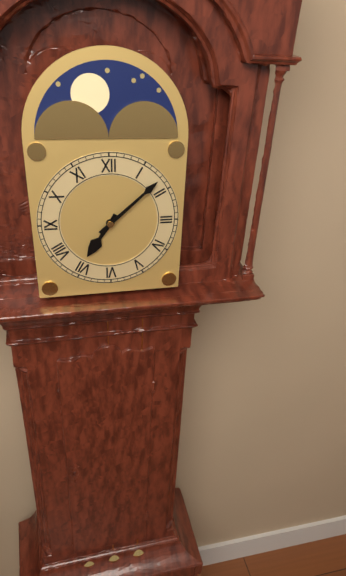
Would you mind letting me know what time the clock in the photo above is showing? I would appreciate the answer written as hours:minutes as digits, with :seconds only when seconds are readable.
7:08
